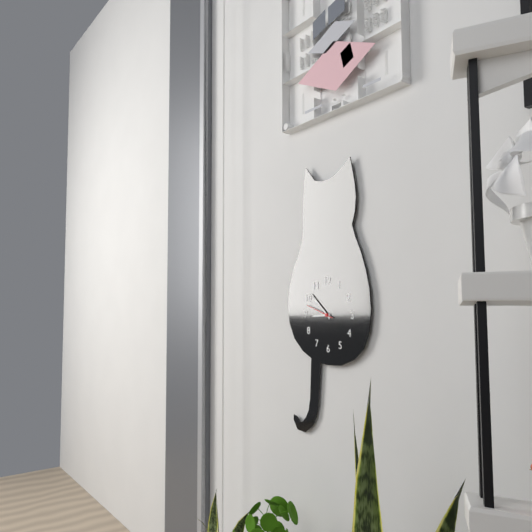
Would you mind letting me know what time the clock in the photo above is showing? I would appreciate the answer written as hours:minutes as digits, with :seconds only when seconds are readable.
8:52
